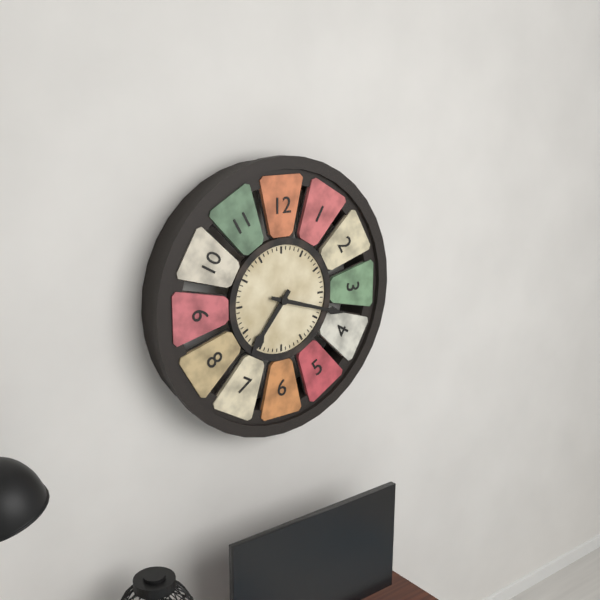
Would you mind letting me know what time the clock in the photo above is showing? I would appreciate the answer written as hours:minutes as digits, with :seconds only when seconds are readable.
7:18
